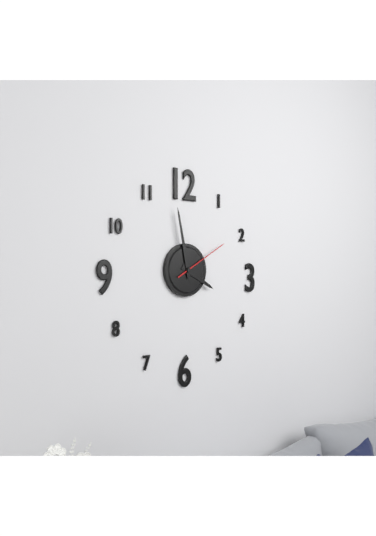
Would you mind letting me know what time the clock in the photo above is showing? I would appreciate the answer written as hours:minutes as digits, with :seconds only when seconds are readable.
3:58:10
